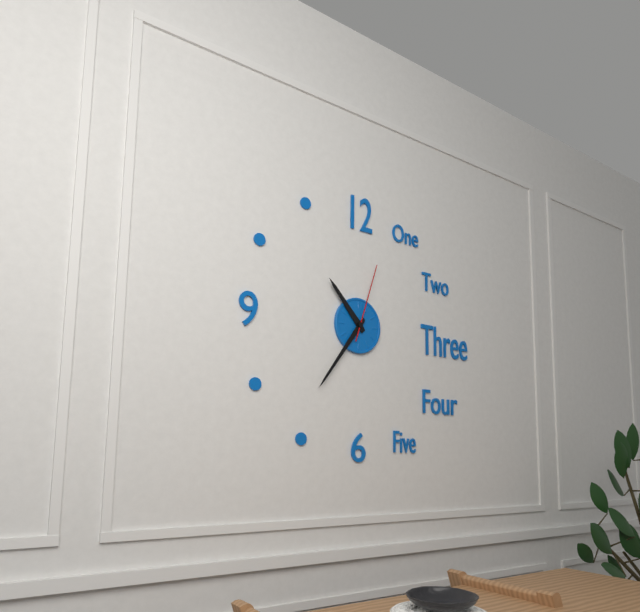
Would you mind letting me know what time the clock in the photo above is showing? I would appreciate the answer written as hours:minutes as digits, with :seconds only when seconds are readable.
10:36:03
